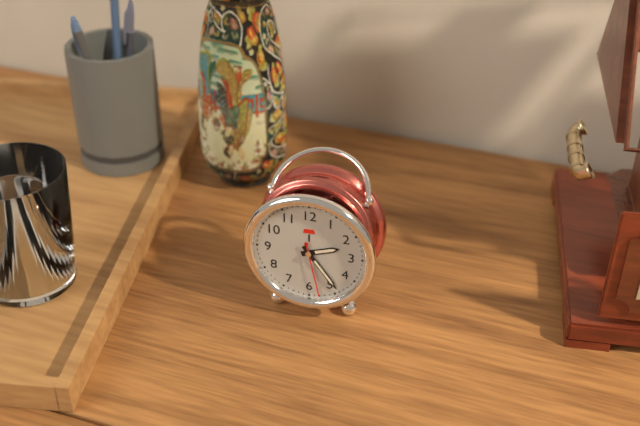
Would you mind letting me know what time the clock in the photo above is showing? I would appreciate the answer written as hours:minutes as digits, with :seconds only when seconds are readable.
2:24:28
